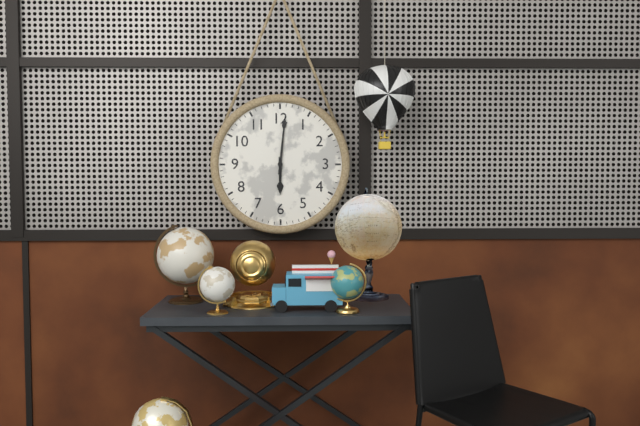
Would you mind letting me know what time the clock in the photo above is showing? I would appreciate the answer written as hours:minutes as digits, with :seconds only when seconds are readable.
6:01
